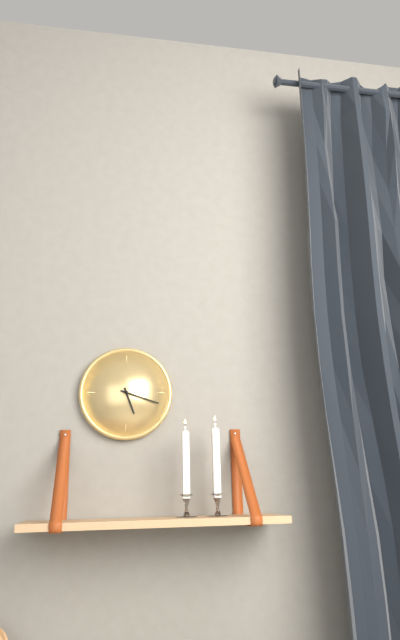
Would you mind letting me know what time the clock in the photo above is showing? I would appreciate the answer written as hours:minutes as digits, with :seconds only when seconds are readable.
5:18
